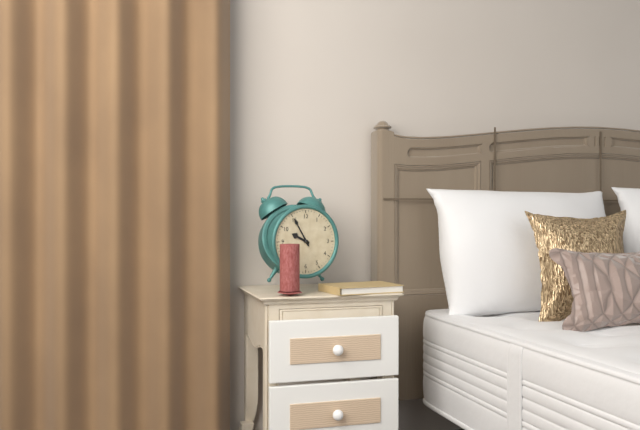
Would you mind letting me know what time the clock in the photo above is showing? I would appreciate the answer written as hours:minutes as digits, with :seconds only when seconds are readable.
9:55
